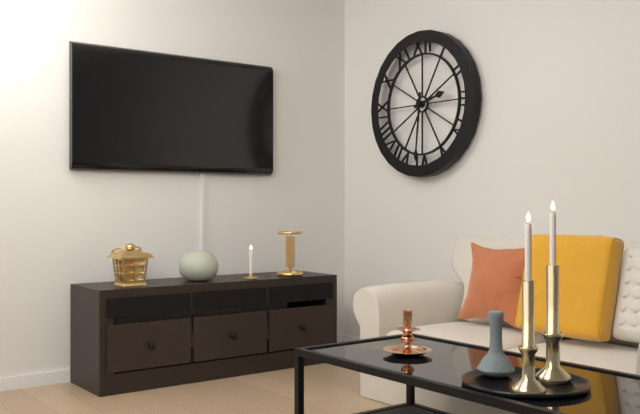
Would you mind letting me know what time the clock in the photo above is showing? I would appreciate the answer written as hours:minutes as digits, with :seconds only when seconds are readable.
2:31
